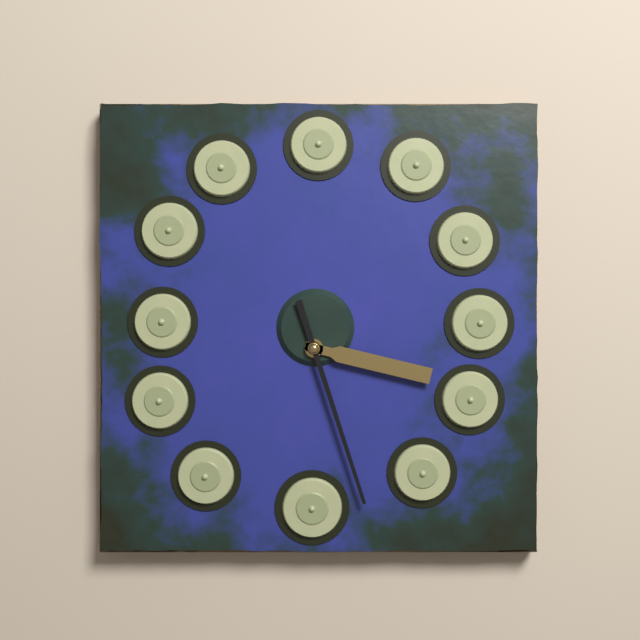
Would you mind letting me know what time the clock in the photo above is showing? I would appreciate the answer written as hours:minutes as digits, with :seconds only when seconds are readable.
3:27
